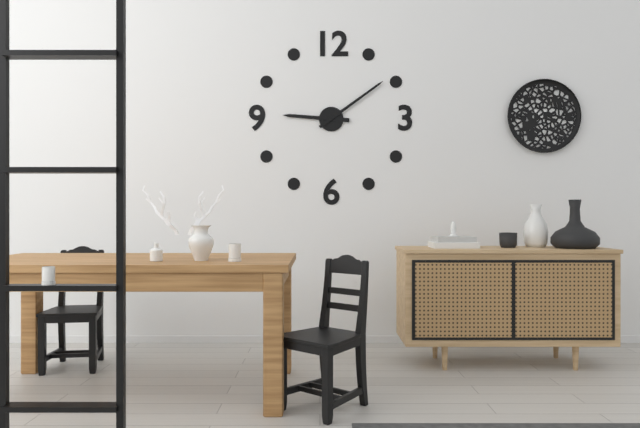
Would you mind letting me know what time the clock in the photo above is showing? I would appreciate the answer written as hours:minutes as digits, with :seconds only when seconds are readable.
9:09
